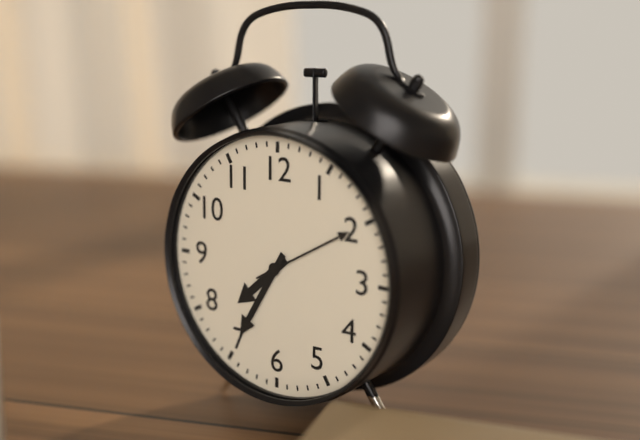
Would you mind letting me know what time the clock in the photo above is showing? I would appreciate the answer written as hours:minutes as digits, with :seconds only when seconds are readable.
7:35:10
